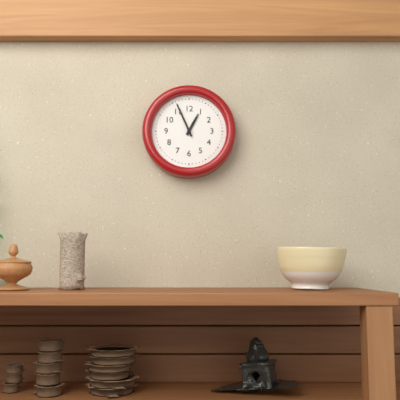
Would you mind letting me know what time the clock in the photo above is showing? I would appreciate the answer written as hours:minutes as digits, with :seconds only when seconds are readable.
12:56
